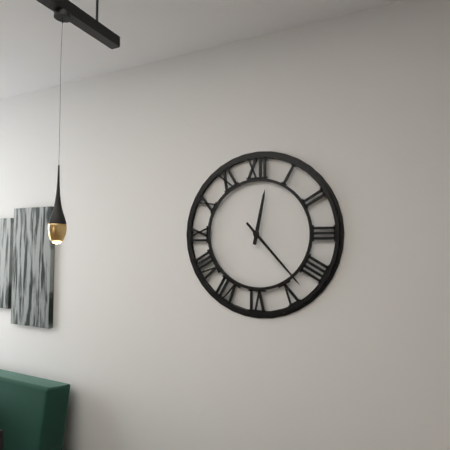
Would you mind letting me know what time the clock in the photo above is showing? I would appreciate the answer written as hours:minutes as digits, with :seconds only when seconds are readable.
12:23
